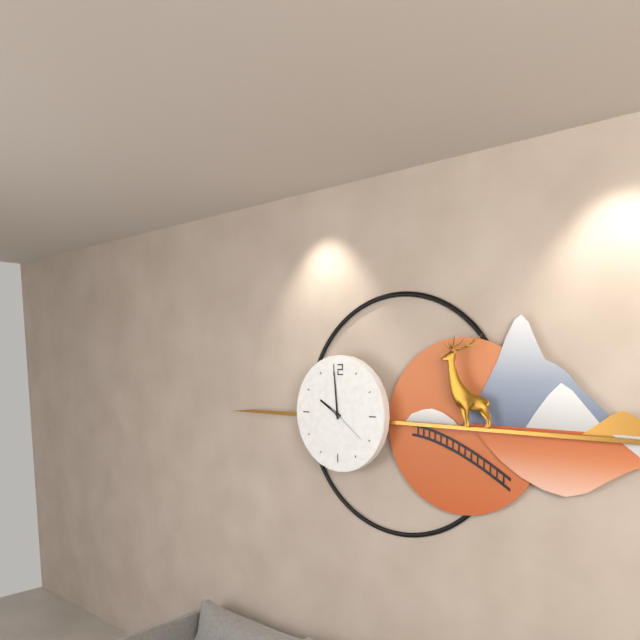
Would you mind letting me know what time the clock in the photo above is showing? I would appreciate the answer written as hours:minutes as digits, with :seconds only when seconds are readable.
9:59
